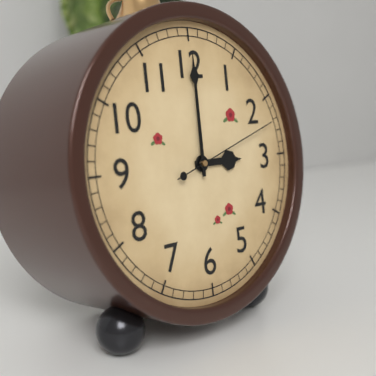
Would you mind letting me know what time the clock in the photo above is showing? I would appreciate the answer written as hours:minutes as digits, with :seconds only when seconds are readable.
3:00:12
